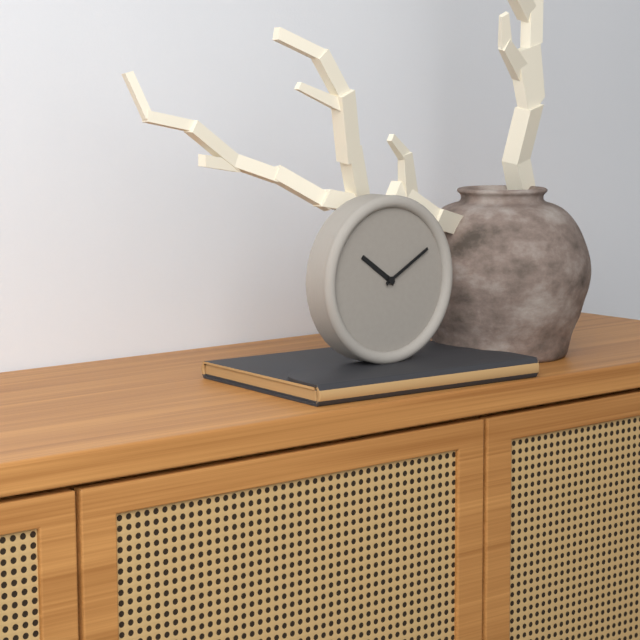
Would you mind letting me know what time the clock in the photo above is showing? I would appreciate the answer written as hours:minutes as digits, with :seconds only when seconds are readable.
10:10
